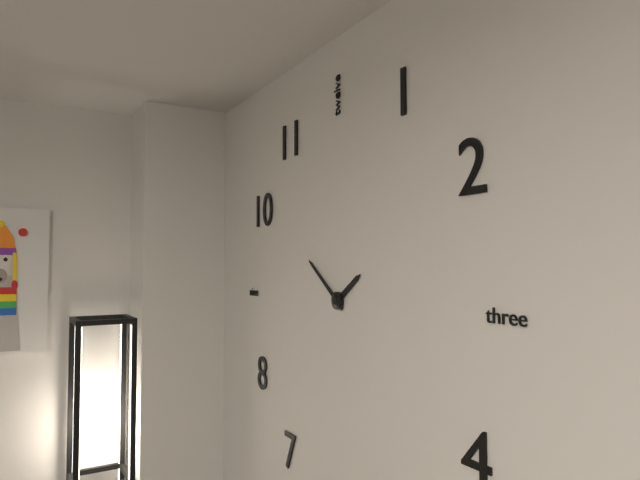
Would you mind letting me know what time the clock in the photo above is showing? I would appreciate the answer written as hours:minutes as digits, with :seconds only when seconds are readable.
1:51
